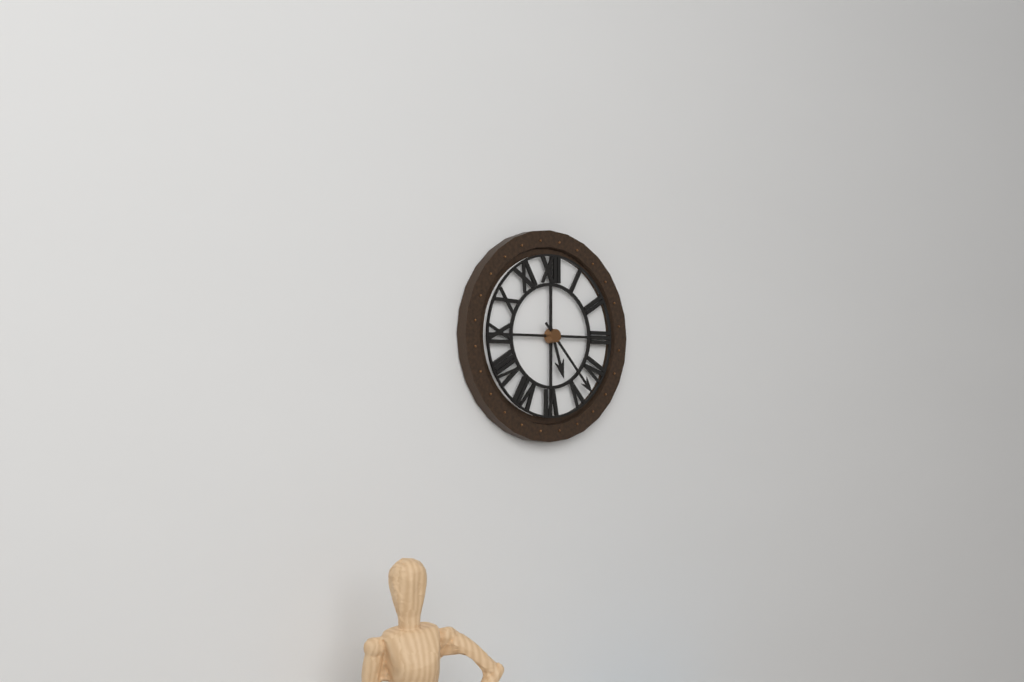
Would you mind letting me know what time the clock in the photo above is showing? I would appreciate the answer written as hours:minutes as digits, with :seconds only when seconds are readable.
5:23
